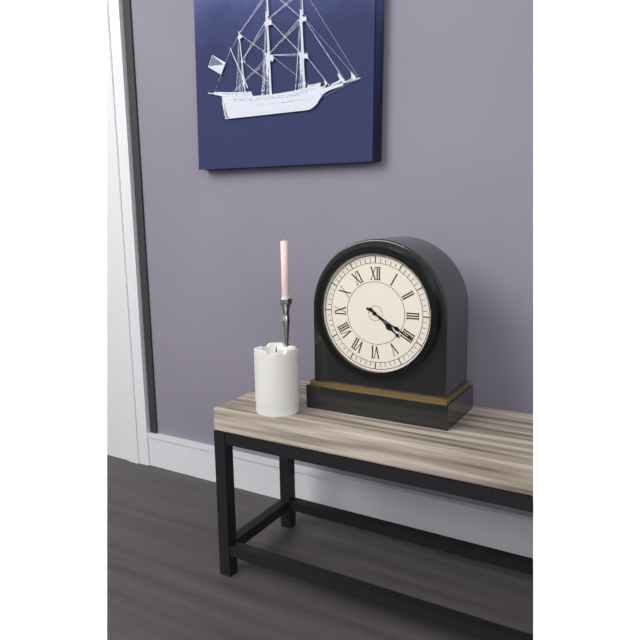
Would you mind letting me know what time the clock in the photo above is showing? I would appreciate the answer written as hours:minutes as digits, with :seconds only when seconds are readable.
4:20
